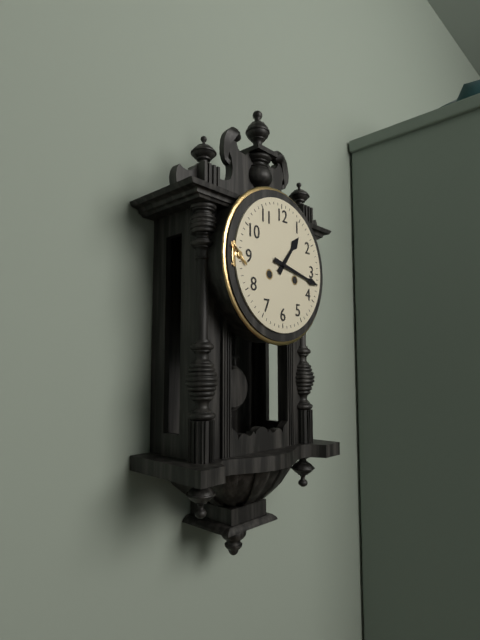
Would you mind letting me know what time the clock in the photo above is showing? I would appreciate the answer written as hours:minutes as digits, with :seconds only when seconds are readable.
1:17
